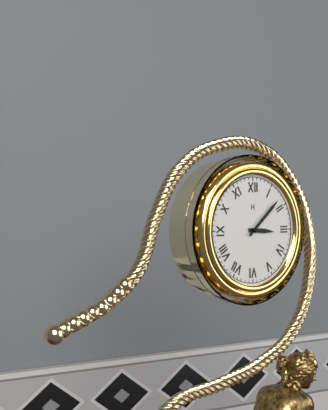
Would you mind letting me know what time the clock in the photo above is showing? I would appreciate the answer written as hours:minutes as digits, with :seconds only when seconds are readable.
3:08
